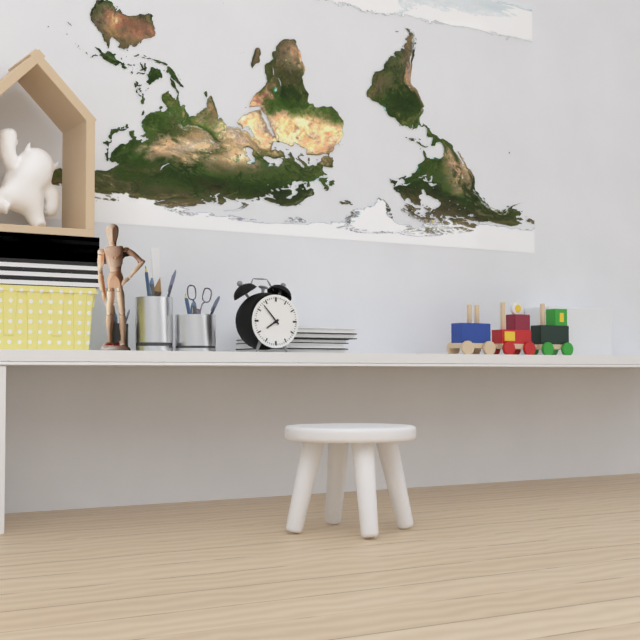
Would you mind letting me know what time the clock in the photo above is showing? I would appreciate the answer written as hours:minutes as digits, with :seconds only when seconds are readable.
7:53
